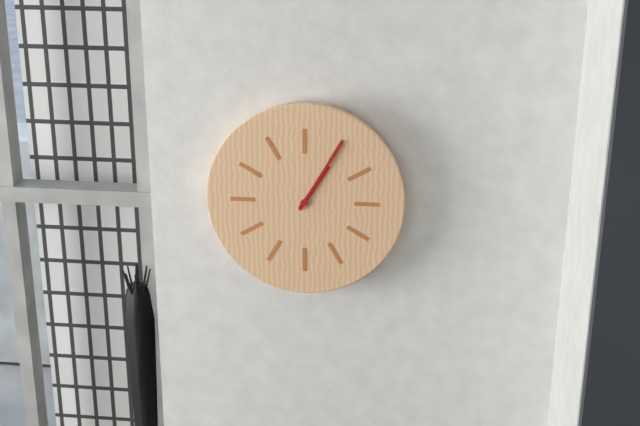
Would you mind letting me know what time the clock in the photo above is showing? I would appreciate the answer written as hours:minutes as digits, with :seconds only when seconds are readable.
1:05
